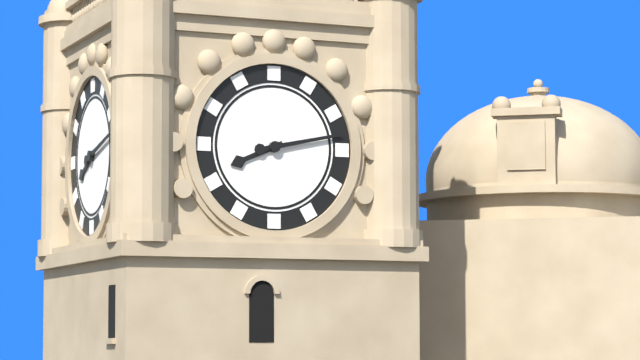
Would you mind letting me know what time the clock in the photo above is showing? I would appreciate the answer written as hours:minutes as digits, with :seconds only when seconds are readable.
8:13
